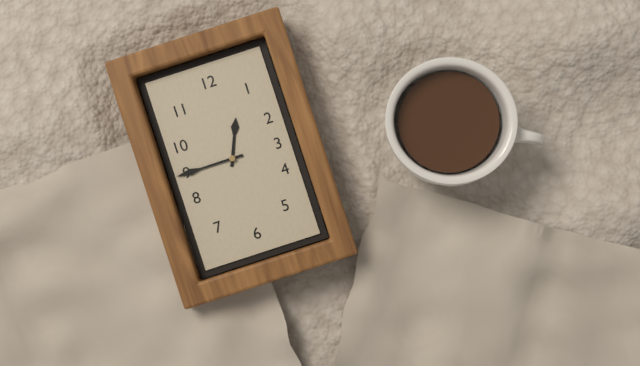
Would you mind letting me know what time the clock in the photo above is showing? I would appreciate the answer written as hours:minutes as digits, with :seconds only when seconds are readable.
12:45
